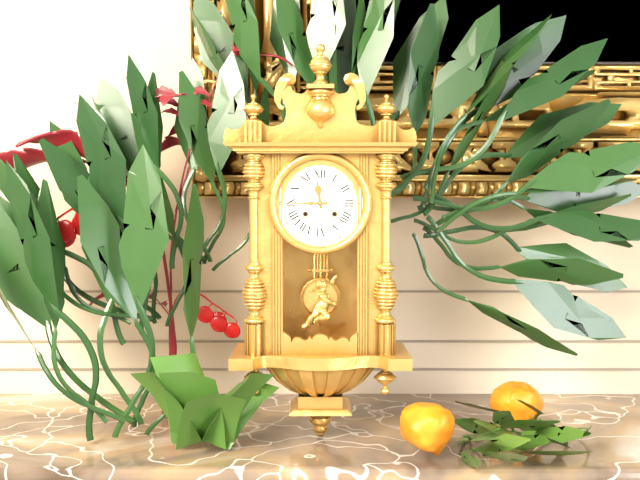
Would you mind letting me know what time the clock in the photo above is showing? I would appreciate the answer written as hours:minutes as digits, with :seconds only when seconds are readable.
11:45
